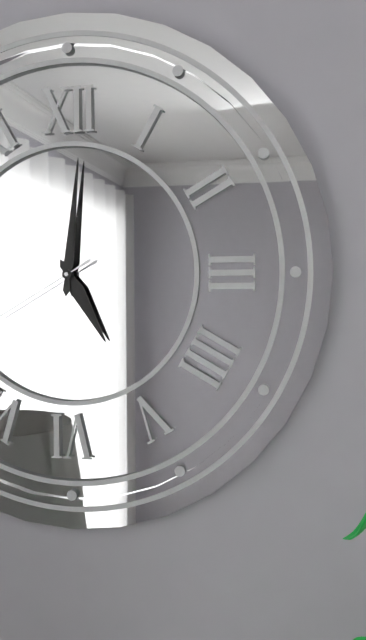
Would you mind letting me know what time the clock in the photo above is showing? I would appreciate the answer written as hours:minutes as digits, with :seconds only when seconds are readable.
5:01
